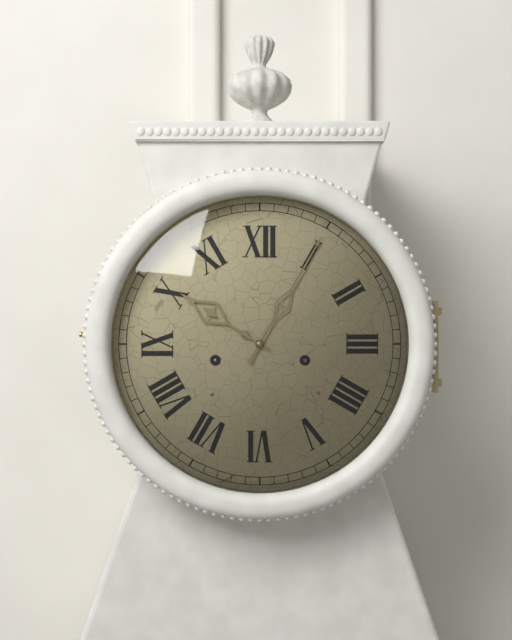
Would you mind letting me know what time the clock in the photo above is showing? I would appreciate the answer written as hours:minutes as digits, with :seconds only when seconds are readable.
10:05
